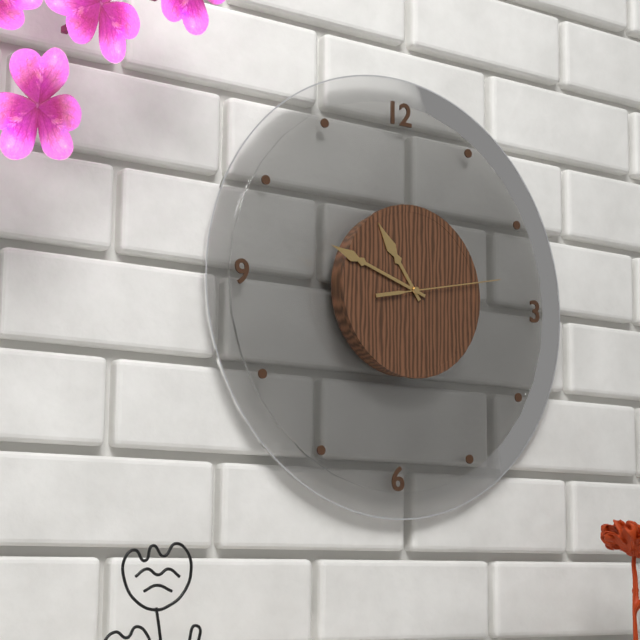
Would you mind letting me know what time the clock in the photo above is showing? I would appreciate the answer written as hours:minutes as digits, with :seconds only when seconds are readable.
10:48:13
